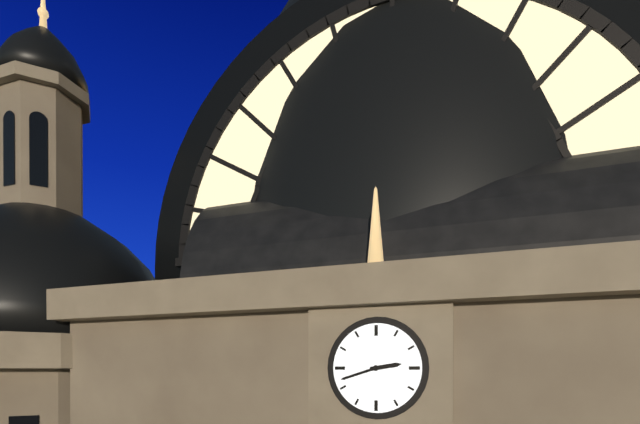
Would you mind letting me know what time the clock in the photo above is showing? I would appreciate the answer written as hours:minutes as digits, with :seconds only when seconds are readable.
2:42
